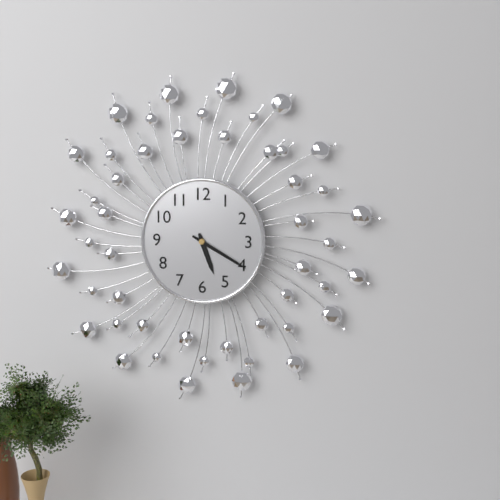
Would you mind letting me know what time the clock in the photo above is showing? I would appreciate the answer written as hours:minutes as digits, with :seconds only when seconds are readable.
5:20
